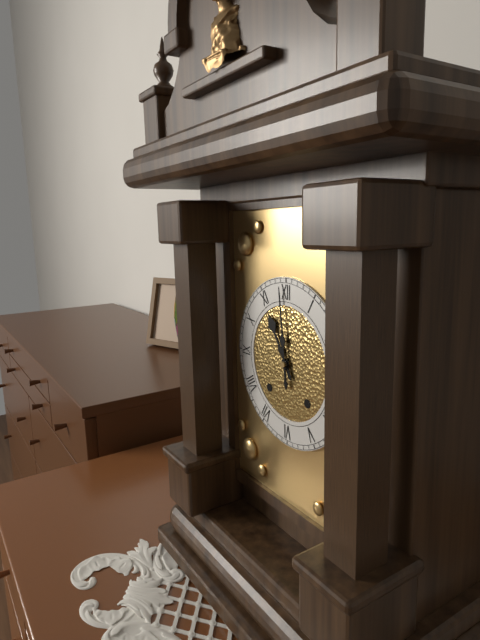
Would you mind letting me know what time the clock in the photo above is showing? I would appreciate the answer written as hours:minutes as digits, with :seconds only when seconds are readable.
10:59
